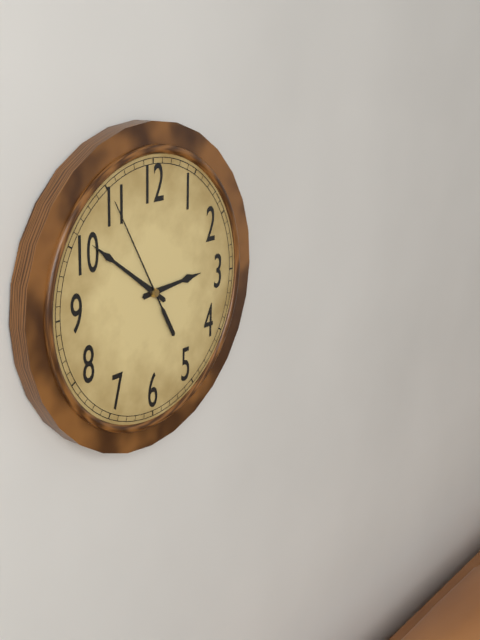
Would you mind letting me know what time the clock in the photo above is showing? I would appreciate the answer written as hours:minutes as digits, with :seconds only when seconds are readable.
2:51:55
